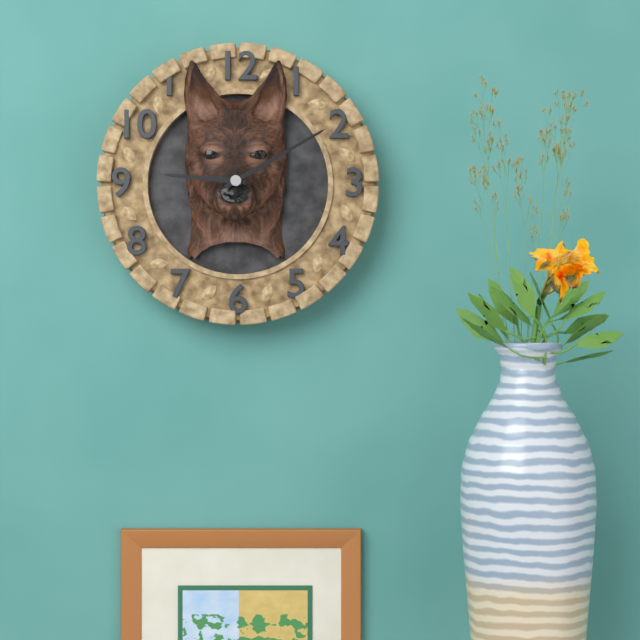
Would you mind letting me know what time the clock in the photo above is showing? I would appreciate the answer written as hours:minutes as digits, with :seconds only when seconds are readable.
9:10
